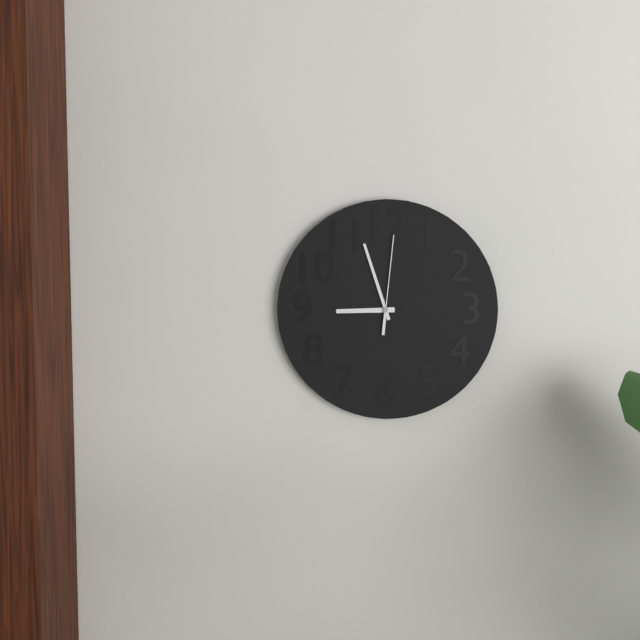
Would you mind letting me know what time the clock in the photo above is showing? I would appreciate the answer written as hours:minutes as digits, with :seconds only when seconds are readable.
8:57:01
